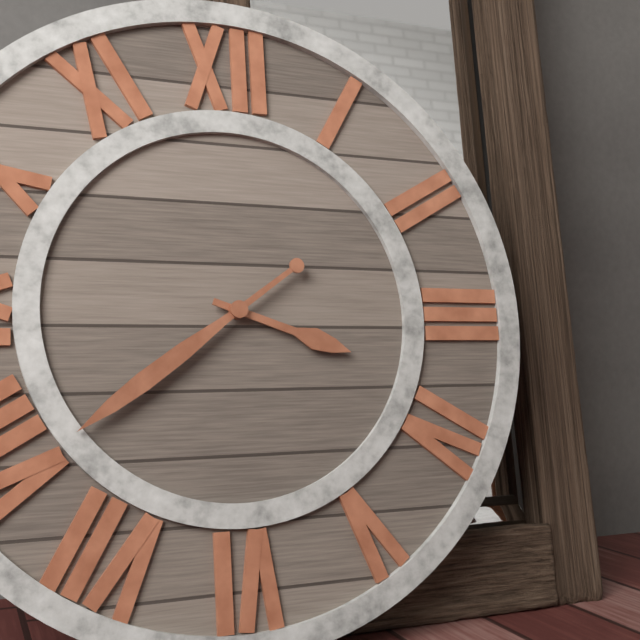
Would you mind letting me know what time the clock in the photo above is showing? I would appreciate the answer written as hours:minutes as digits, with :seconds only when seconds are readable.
3:39
